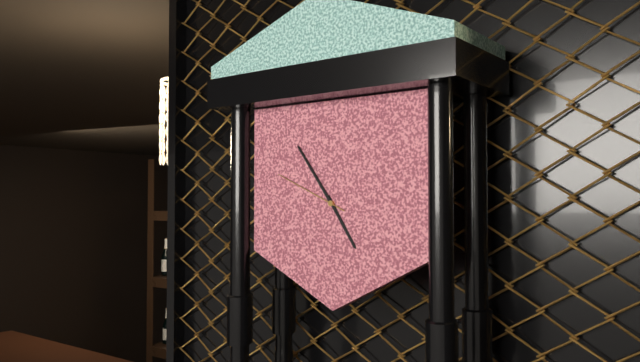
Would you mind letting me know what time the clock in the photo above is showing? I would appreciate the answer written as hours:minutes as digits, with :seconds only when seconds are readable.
4:54:49
